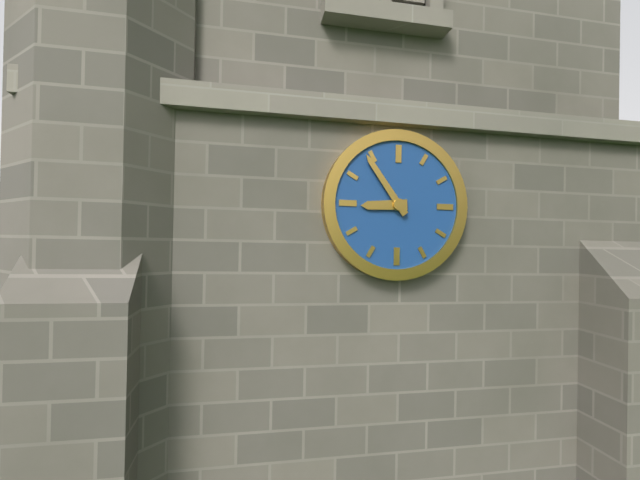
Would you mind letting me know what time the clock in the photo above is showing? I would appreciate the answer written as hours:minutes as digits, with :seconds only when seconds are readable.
8:54
